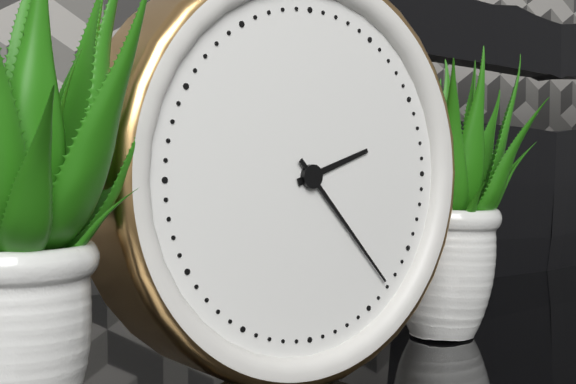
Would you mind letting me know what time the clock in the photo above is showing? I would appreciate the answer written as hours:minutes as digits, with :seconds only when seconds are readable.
2:23
